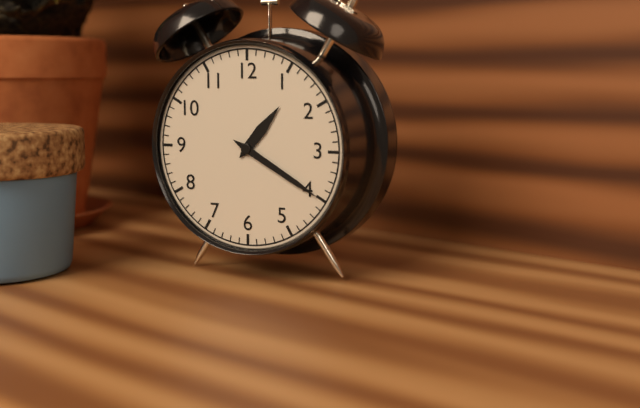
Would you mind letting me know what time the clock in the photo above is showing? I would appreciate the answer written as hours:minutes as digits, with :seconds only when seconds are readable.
1:20
